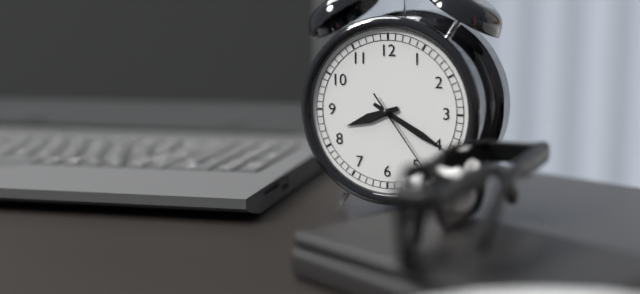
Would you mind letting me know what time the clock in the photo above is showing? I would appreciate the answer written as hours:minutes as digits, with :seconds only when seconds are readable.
8:20:24
